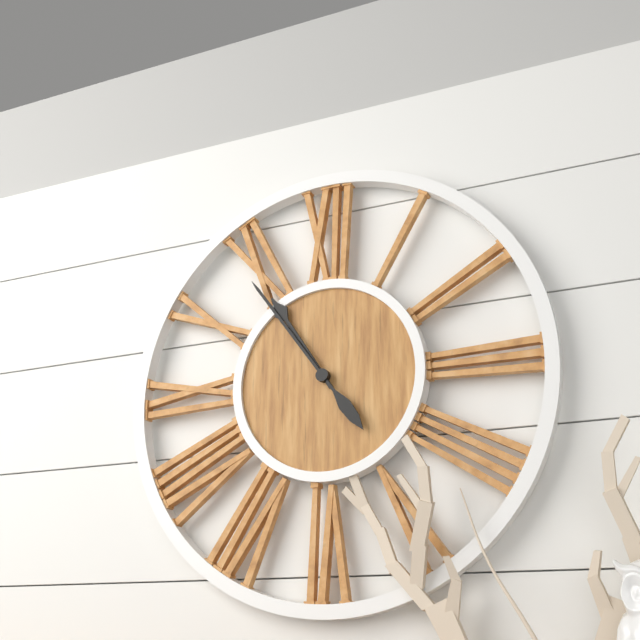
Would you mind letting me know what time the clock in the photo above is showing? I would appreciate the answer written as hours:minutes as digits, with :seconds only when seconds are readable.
10:54
